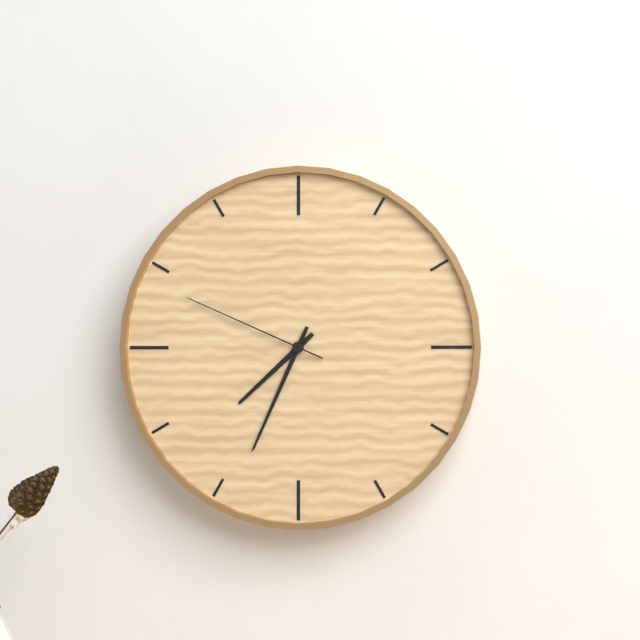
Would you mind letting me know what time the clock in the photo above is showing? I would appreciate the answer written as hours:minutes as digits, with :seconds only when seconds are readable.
7:34:49
